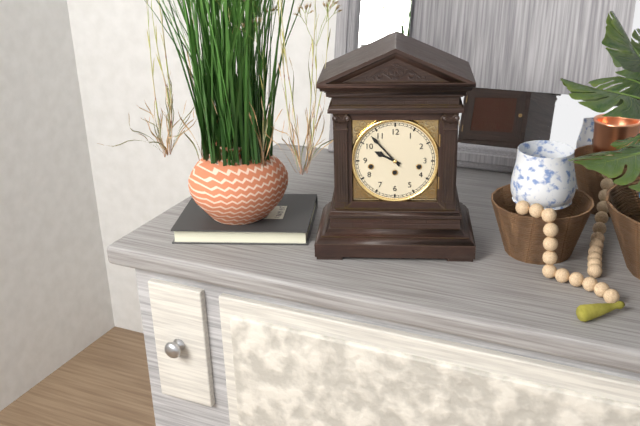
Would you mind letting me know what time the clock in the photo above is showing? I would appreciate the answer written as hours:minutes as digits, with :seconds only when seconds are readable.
9:53
